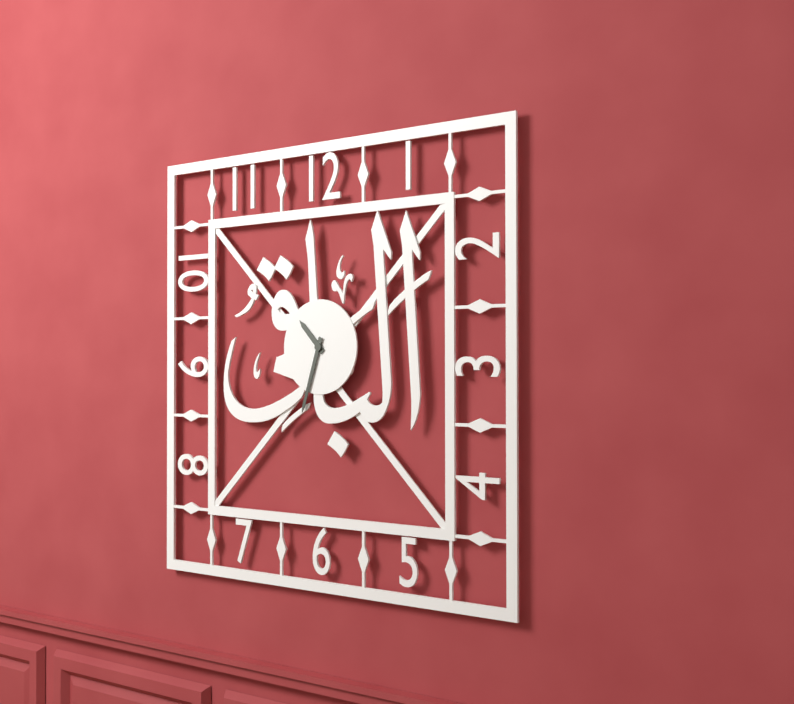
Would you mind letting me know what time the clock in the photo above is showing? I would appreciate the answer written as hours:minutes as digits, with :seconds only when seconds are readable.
10:33
